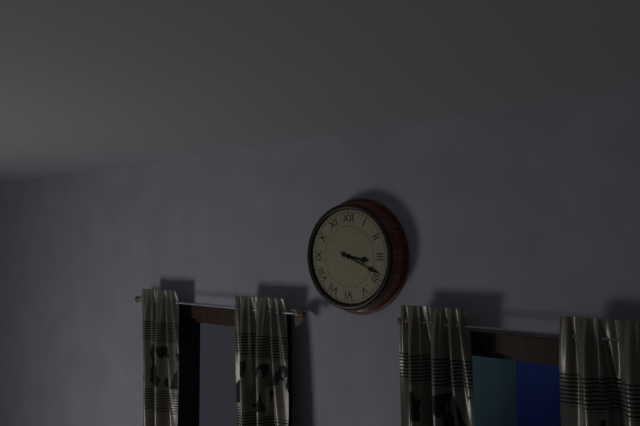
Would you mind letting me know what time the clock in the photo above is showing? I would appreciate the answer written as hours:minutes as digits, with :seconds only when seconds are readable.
3:19
